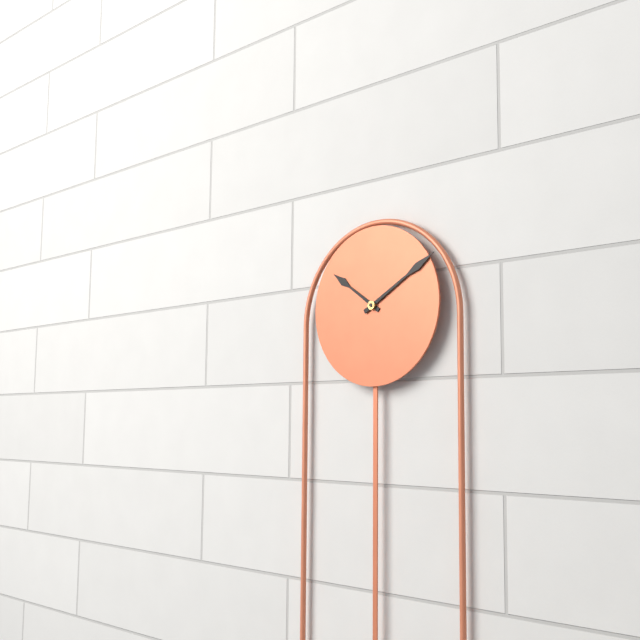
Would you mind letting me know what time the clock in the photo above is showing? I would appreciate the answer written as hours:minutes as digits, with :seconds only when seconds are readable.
10:10
